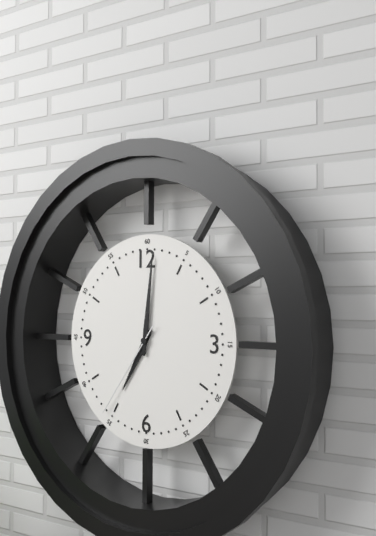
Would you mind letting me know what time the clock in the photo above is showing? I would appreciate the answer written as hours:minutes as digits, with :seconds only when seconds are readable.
7:01:36
